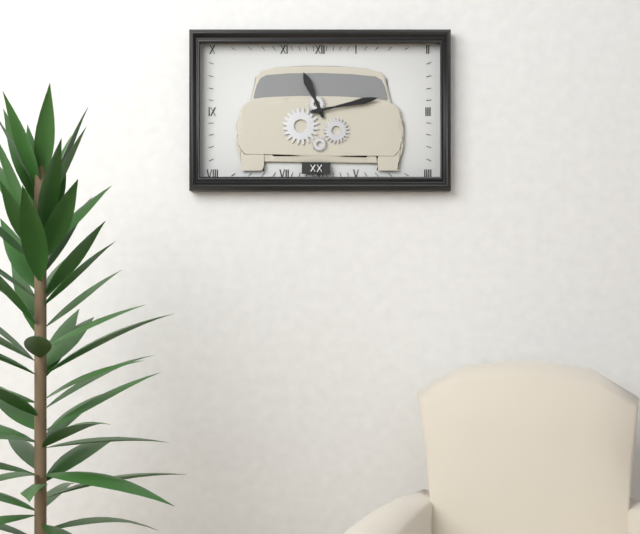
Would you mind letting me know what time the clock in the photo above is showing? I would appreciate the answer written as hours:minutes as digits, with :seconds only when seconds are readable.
11:13
